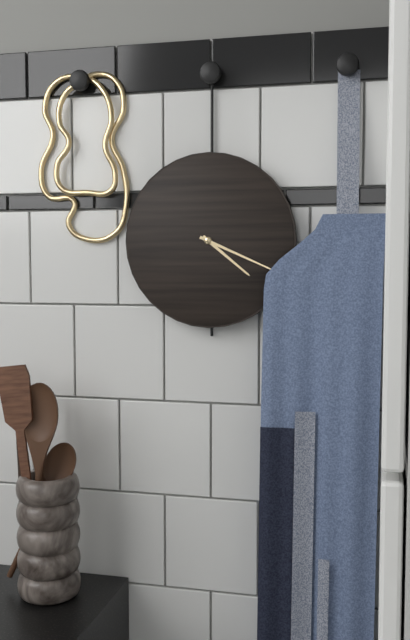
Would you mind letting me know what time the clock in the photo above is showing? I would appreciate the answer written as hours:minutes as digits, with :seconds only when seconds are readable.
4:19
